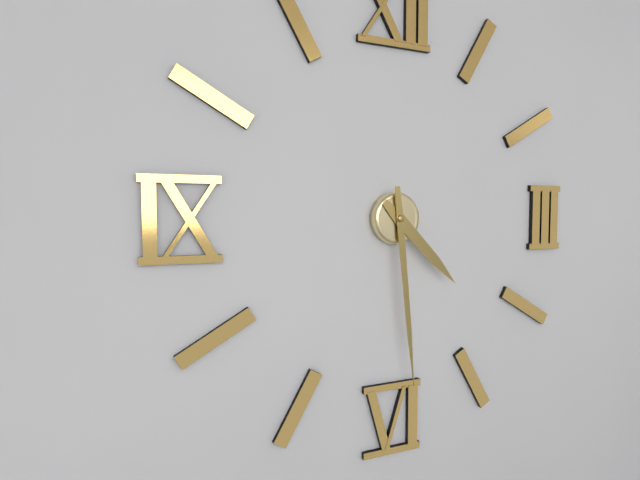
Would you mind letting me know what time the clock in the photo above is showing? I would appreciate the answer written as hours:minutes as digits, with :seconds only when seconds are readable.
4:29
